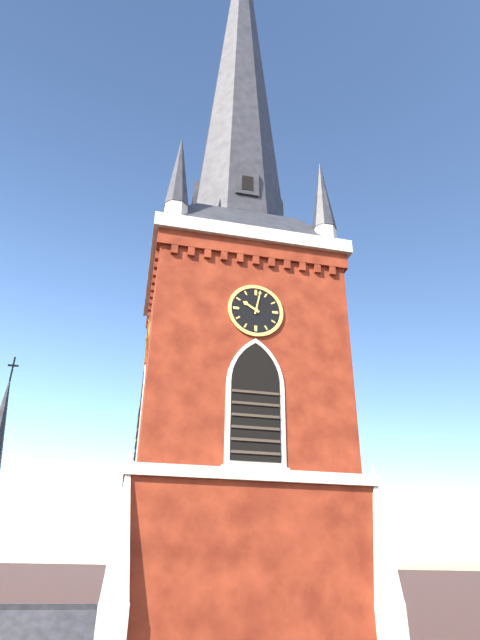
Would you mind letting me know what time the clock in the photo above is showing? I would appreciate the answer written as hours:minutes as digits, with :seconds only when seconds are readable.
10:02
